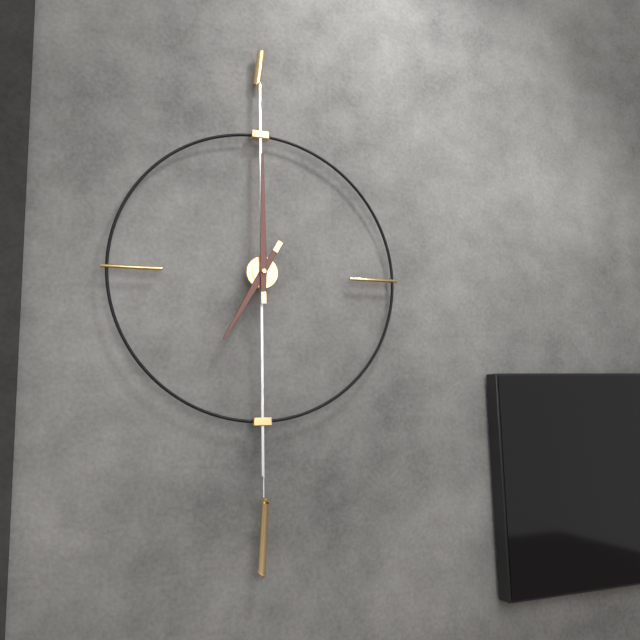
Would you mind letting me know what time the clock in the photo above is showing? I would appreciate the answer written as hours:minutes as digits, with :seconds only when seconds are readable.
7:00
